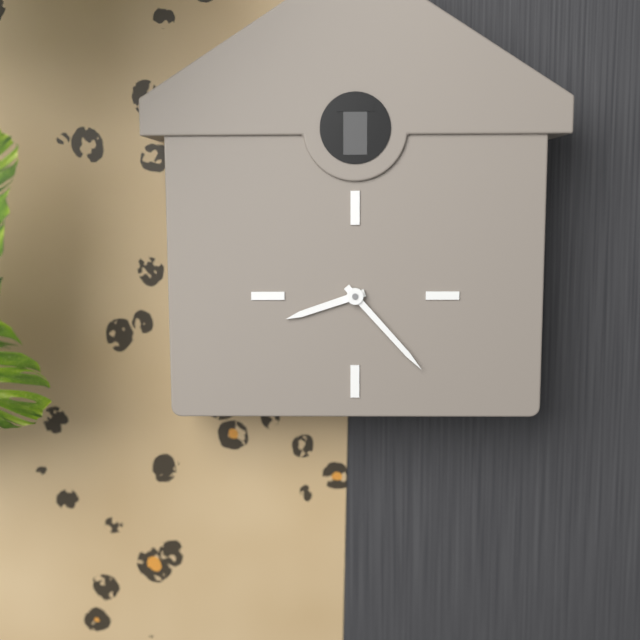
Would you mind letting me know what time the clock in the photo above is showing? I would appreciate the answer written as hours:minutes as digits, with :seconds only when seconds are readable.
8:23
